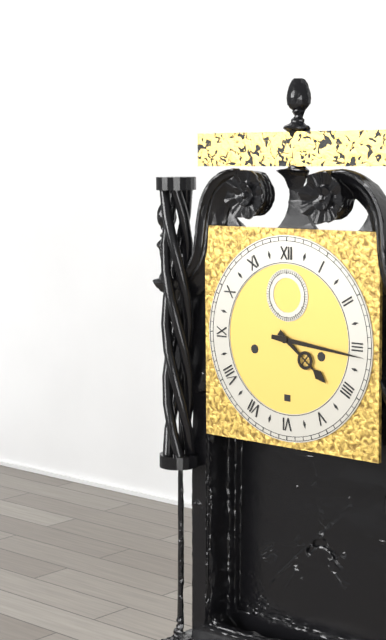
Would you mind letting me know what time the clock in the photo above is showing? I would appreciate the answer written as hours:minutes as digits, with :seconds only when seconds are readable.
4:16
